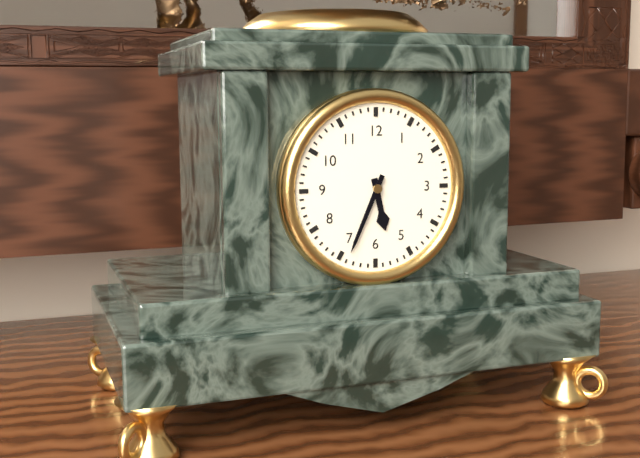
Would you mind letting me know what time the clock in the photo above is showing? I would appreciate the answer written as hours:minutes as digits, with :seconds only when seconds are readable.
5:34
